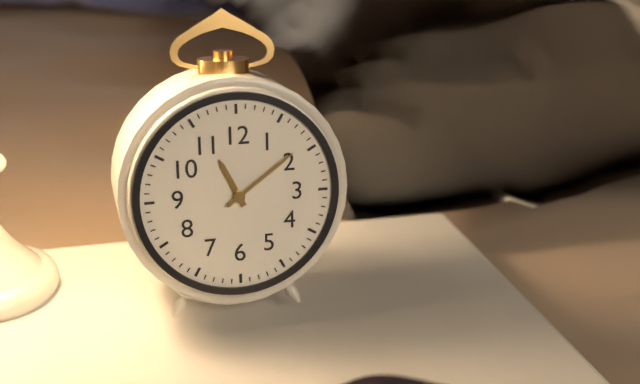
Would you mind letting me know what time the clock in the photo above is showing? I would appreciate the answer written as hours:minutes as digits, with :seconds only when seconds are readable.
11:09
